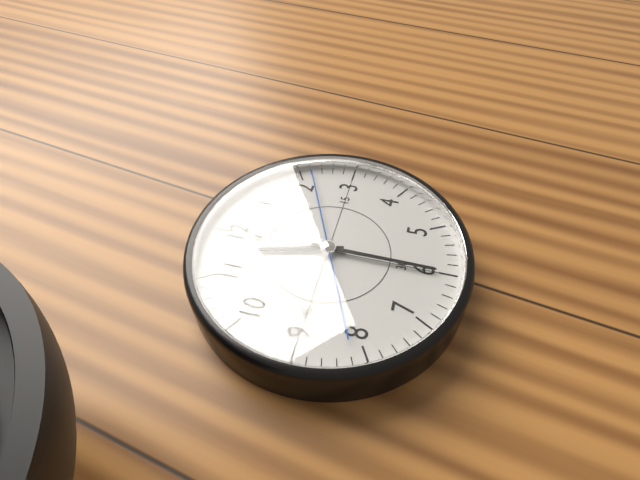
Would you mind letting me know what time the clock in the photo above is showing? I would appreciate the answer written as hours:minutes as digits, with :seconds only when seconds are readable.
11:30:11
